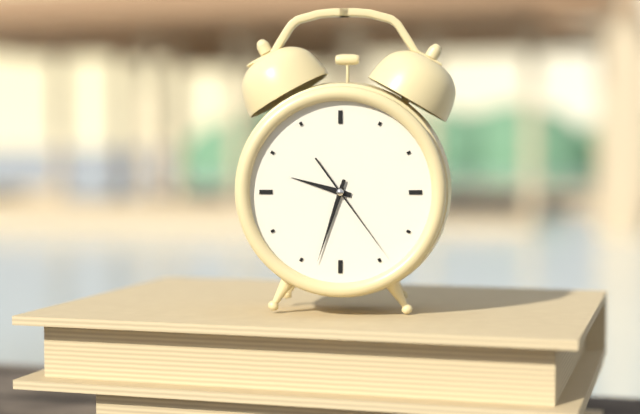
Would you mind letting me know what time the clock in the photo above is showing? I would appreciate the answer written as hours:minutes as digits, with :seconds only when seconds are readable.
9:33:24
